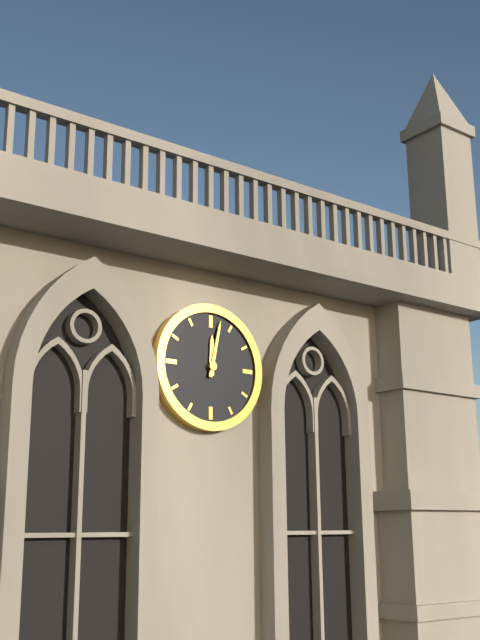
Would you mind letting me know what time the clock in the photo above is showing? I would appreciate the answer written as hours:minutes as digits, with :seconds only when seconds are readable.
12:02
